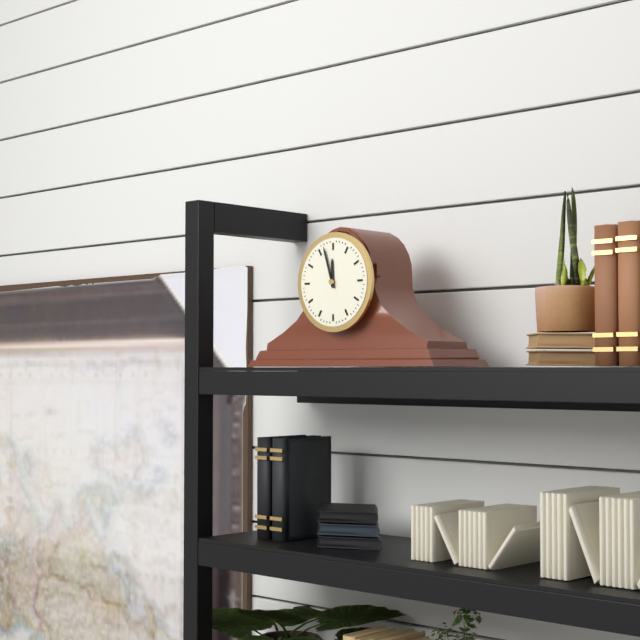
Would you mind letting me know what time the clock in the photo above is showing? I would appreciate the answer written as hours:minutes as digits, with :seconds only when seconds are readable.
11:57
